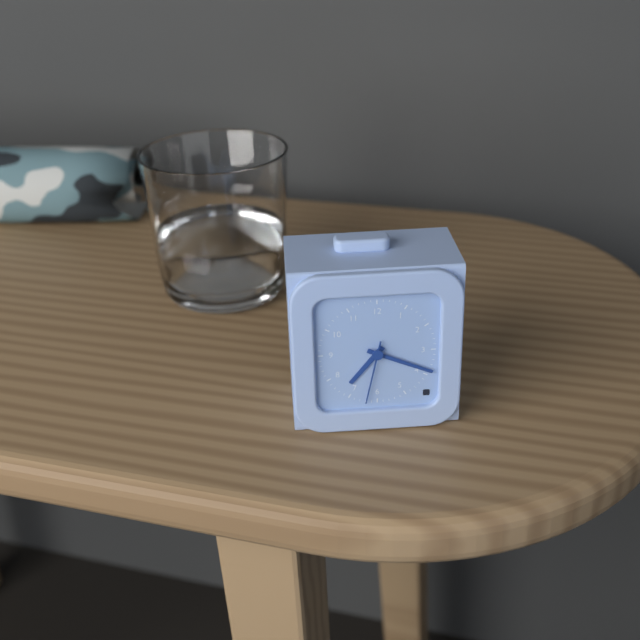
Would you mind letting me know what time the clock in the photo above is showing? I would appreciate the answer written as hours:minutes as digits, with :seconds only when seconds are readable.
7:19:32
